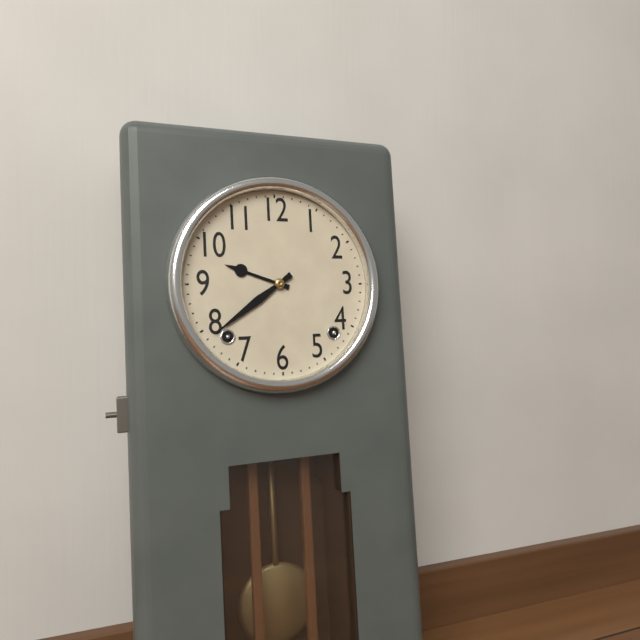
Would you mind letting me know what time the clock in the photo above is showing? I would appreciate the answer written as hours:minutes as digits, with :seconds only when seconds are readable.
9:39
